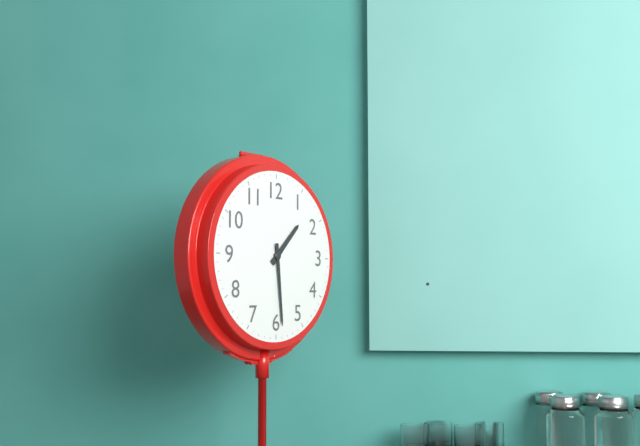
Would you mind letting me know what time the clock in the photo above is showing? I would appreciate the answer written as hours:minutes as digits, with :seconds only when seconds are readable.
1:29
